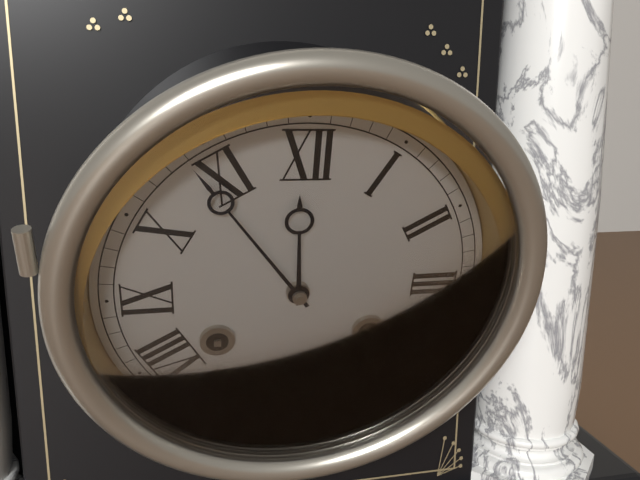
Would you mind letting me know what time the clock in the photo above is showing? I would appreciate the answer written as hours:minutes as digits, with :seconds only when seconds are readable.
11:54
